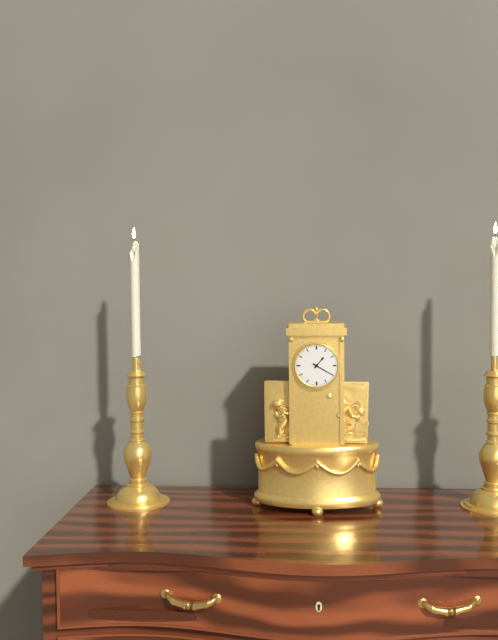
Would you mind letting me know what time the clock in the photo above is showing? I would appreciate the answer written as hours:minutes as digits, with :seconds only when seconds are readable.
1:20
